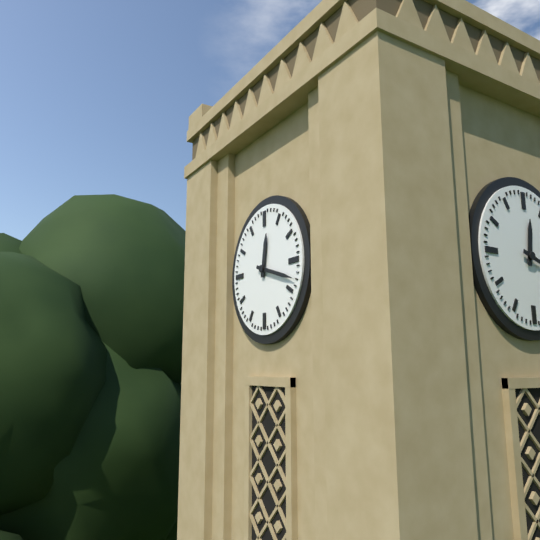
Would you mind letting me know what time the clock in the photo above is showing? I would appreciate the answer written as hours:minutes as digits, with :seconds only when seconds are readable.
12:18
